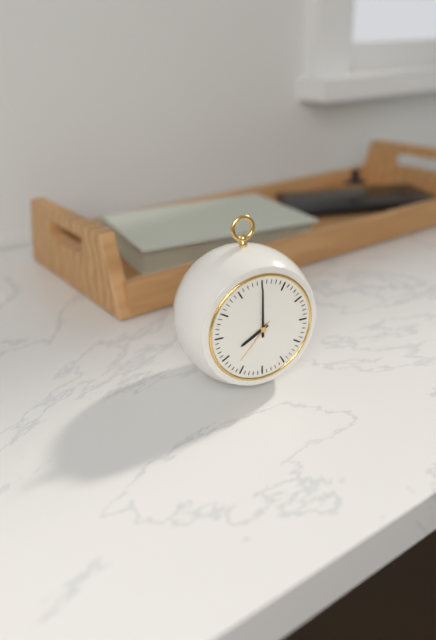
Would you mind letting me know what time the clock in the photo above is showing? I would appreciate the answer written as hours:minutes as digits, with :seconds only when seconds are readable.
8:00
